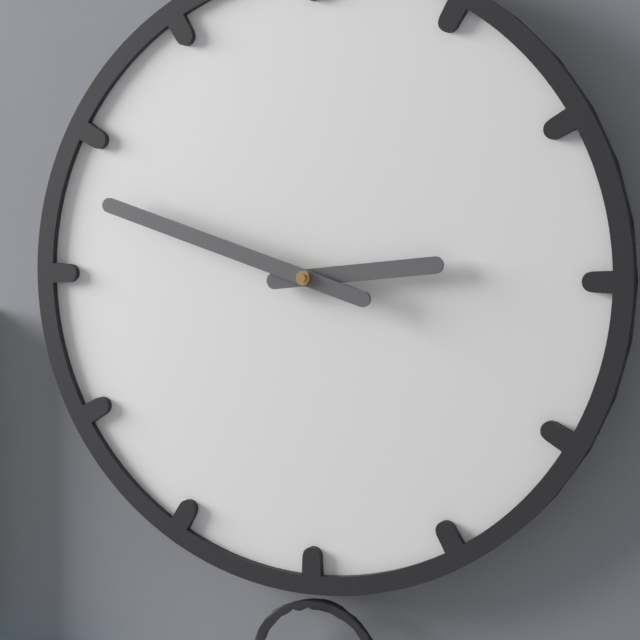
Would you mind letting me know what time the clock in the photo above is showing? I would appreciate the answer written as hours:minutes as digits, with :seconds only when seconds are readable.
2:48
